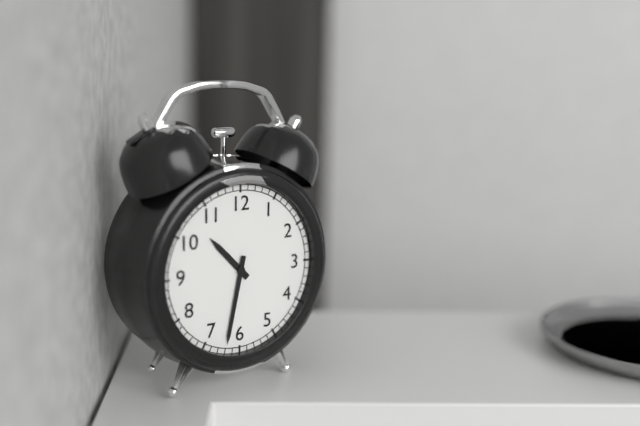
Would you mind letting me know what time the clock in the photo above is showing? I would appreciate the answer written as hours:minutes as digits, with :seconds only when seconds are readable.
10:32
